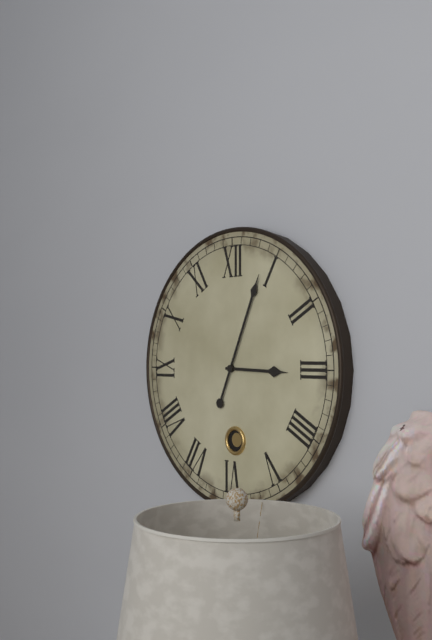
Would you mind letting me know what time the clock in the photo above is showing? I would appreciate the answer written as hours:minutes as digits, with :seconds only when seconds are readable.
3:04
